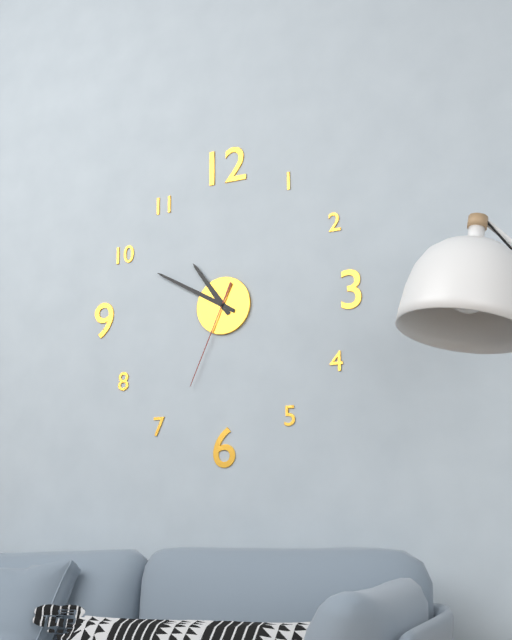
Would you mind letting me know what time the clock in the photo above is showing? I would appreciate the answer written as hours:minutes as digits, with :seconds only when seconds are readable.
10:50:34
